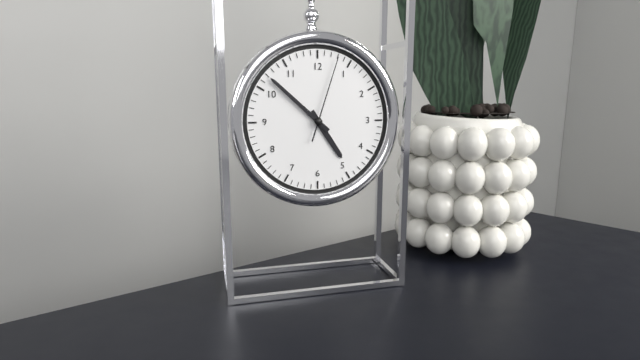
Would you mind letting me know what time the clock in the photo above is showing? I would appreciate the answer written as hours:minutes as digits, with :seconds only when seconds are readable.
4:52:03
